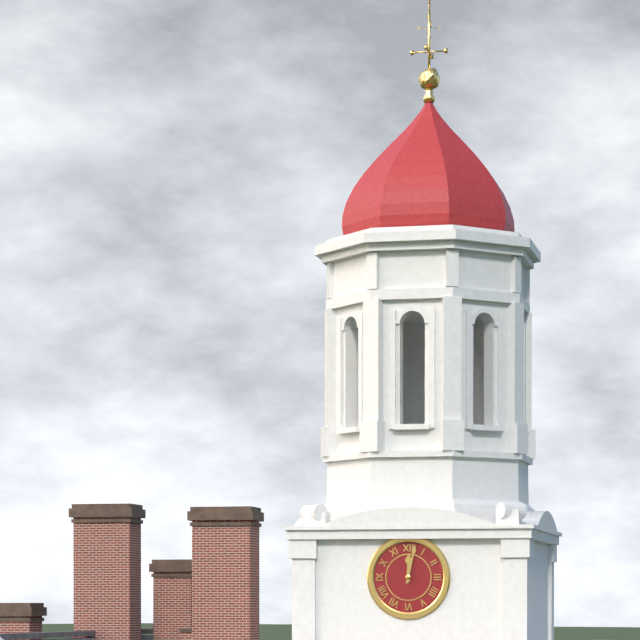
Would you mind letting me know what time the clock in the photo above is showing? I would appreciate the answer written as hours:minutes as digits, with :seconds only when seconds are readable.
12:02
